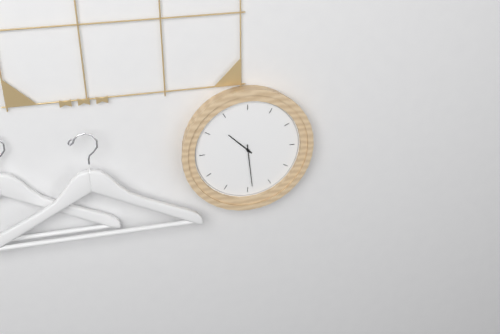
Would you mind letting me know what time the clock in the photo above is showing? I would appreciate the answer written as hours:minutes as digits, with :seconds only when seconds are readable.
10:29
